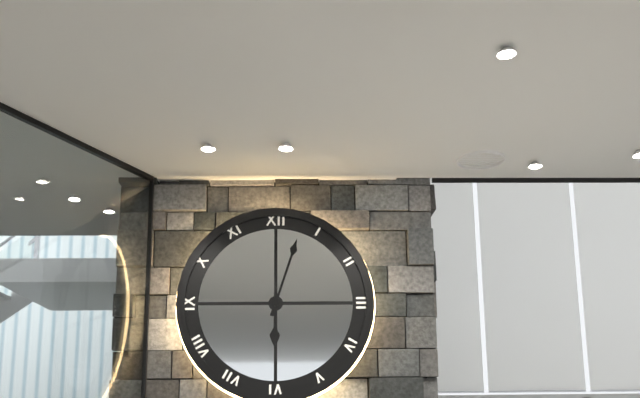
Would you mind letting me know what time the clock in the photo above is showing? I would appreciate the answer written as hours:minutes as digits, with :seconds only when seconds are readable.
6:03
